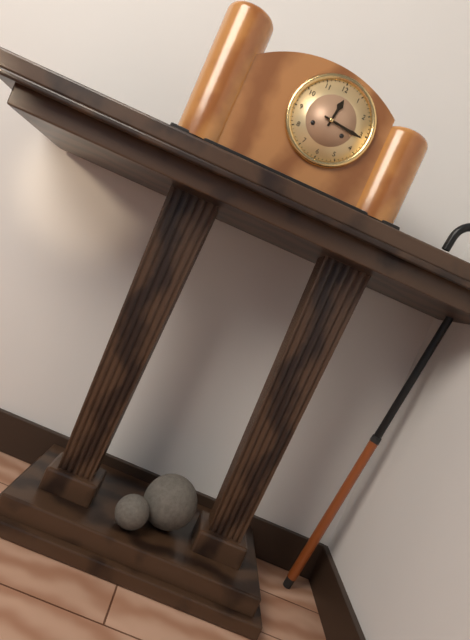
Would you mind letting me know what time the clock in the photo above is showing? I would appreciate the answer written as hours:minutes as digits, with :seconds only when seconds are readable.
12:16
